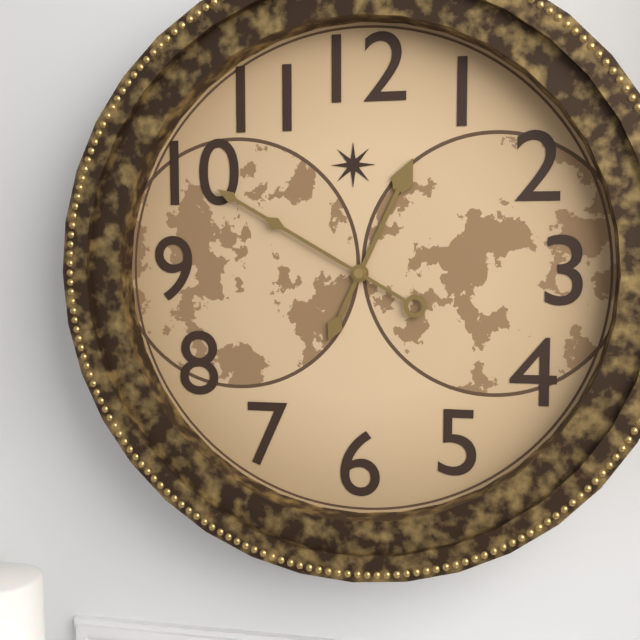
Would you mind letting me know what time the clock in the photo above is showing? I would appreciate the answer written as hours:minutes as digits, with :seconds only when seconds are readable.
12:50
